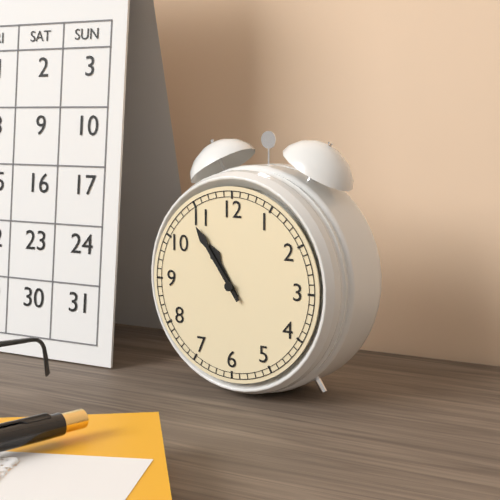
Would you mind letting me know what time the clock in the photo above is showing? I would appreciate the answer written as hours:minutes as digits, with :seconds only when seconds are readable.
10:54
